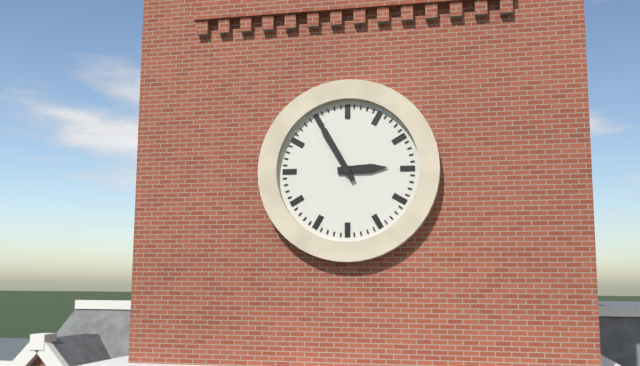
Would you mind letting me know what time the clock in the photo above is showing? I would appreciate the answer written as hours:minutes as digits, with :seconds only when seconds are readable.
2:55
